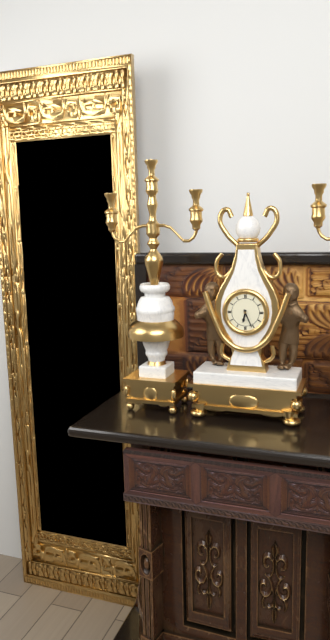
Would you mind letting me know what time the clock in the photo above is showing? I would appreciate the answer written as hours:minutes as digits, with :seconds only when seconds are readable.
6:26
